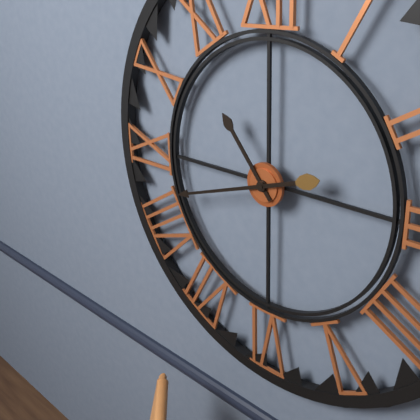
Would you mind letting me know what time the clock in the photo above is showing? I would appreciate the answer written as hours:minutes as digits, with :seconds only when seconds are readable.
10:42
